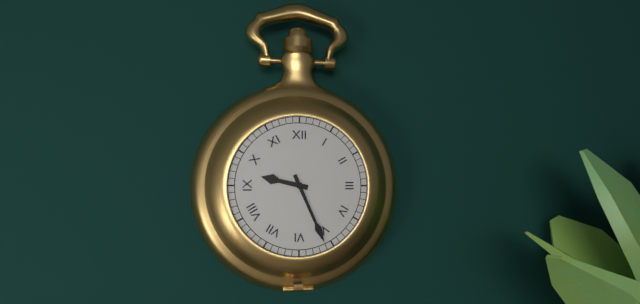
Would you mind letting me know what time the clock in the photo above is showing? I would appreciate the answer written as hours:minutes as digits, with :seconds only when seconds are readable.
9:26
